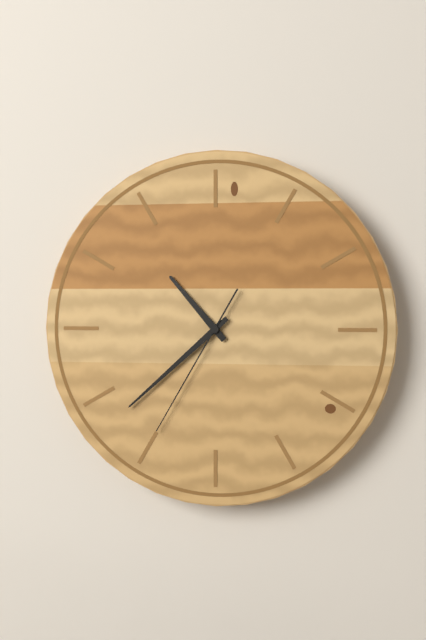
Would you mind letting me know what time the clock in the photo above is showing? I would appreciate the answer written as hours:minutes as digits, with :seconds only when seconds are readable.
10:38:35
